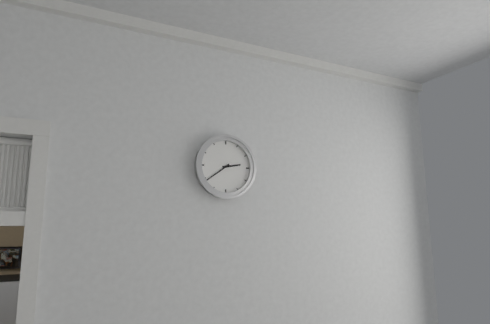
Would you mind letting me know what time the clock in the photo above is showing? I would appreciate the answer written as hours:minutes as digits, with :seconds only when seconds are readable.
2:39
